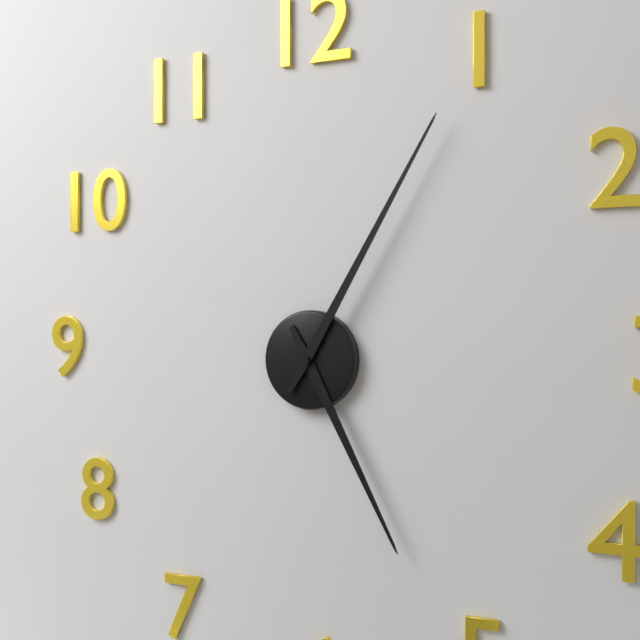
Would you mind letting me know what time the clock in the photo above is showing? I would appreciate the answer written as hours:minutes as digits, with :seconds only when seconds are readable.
5:05
